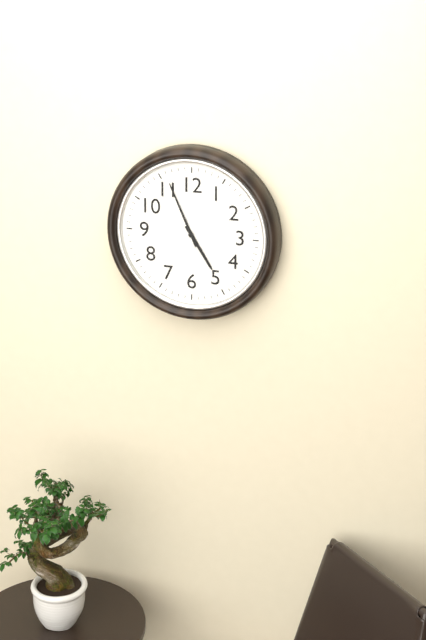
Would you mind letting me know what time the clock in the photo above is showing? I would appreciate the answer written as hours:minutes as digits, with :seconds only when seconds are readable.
4:56
